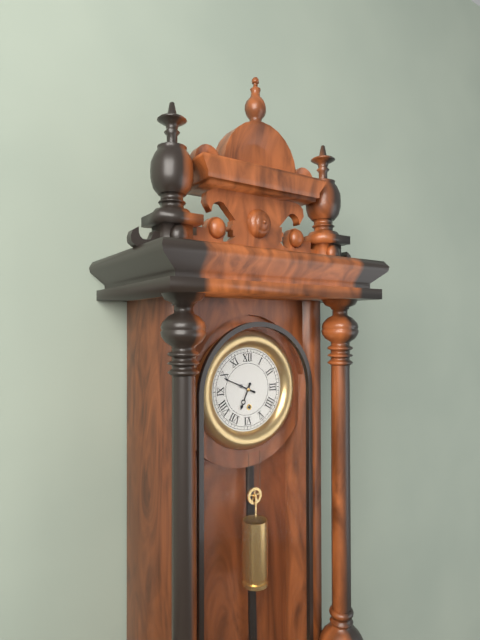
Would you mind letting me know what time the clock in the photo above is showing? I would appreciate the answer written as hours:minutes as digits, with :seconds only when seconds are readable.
6:49
